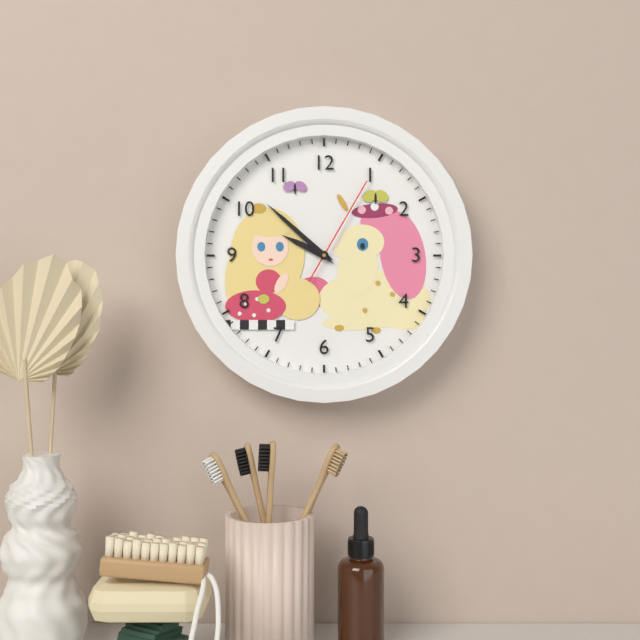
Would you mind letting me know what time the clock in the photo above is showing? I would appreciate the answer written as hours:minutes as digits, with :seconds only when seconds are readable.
9:52:05
